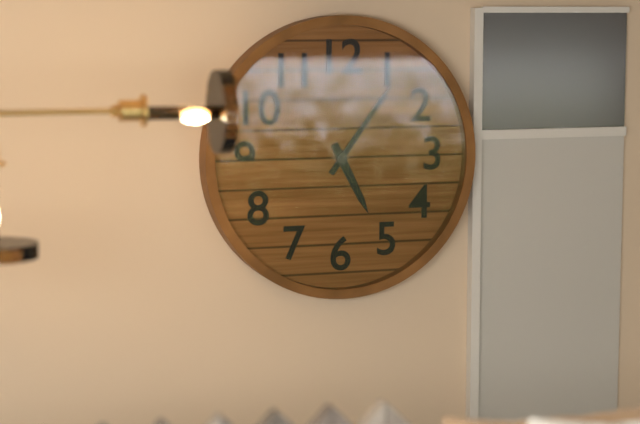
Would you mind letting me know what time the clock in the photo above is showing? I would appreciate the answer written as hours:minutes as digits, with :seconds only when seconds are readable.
5:06
